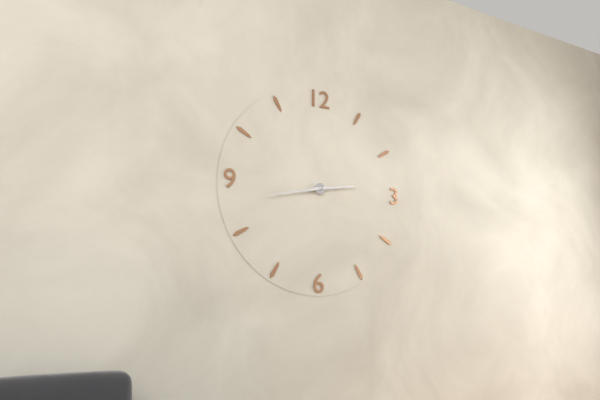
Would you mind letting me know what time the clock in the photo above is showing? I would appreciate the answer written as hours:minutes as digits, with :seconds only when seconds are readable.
2:43
